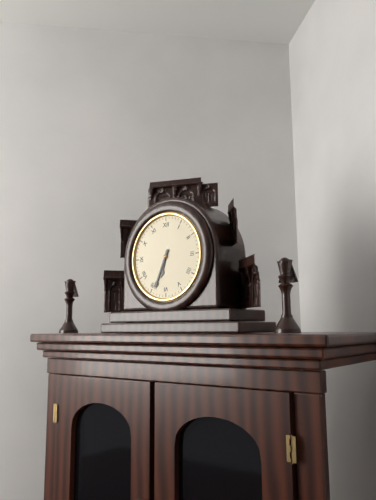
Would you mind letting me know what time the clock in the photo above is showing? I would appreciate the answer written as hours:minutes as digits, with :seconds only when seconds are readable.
6:34
